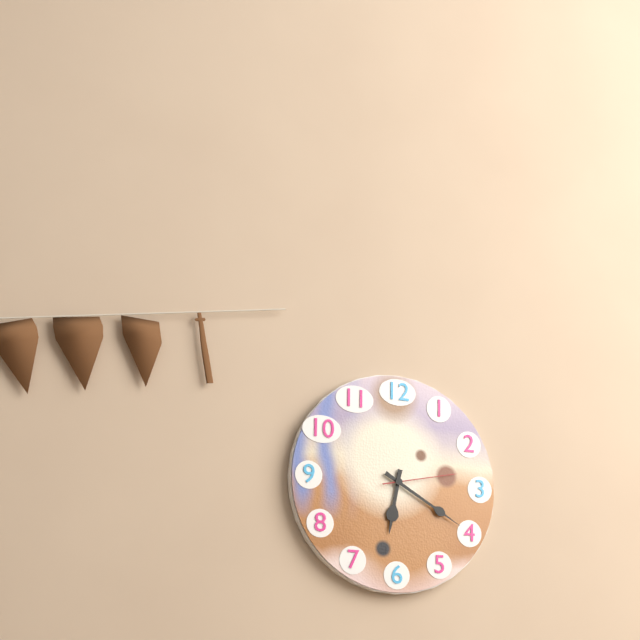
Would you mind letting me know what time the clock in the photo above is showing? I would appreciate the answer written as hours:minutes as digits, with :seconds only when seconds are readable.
6:20:13
